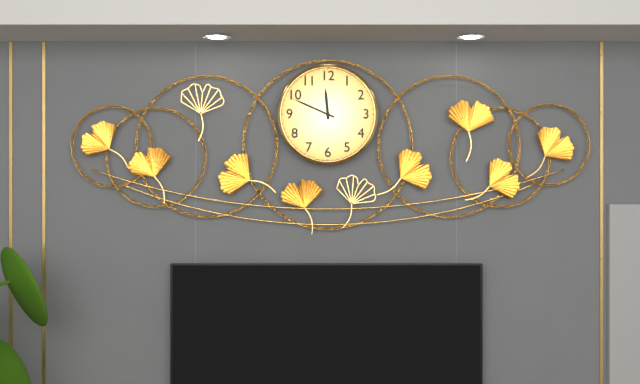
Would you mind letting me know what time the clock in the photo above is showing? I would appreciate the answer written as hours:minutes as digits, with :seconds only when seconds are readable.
11:49
